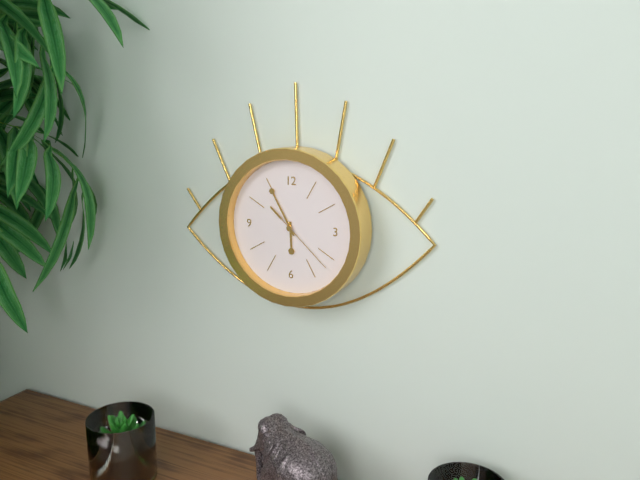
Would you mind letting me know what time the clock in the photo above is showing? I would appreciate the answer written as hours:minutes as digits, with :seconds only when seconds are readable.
5:55:22
